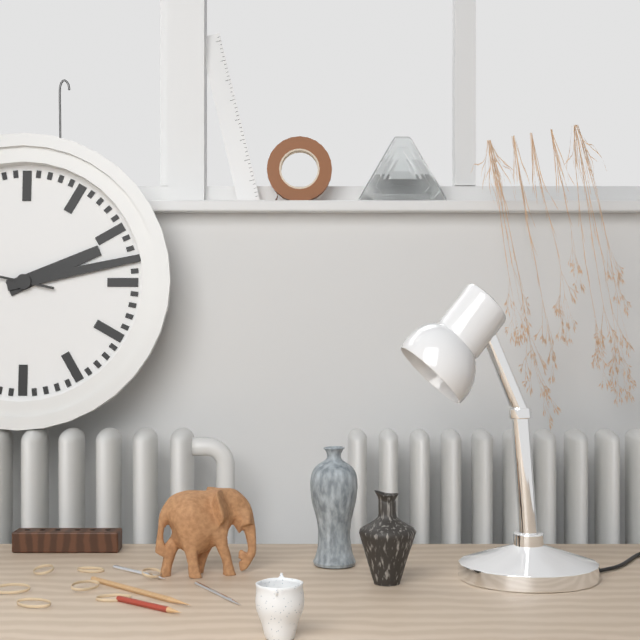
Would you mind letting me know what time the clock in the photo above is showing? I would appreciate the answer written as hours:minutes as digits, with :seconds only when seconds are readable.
2:13
